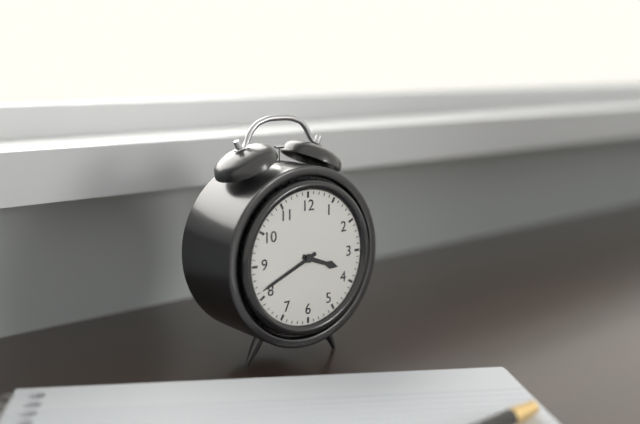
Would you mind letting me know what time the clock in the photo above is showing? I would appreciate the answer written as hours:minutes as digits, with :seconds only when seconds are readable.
3:41
